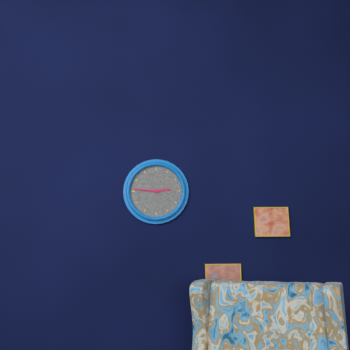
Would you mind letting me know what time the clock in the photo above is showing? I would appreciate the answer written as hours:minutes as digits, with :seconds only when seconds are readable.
2:46
